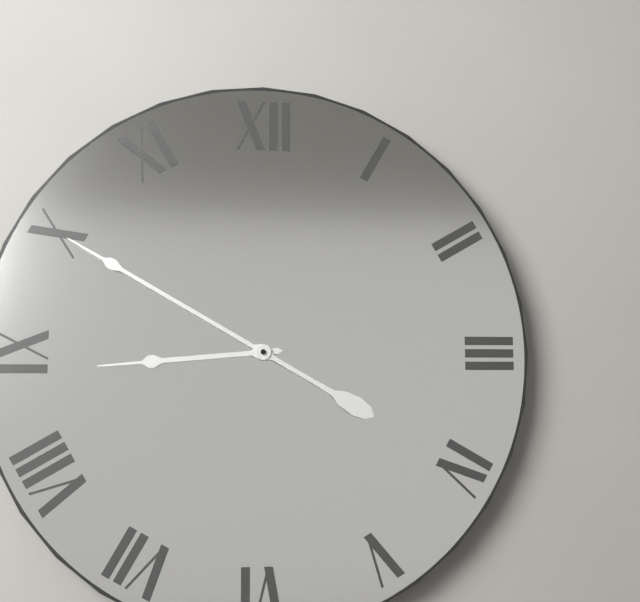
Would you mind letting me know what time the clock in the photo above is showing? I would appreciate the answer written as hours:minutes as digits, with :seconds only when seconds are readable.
8:50
